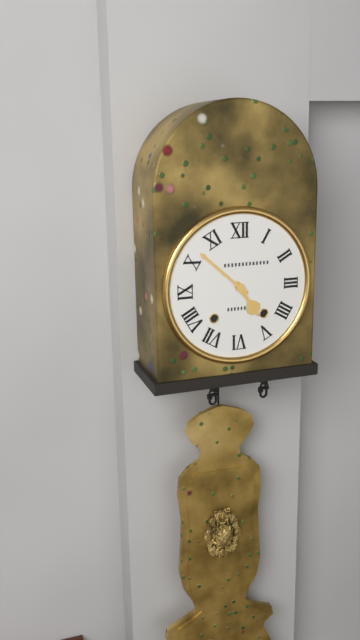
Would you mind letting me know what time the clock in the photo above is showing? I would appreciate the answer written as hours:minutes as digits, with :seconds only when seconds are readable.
4:52
